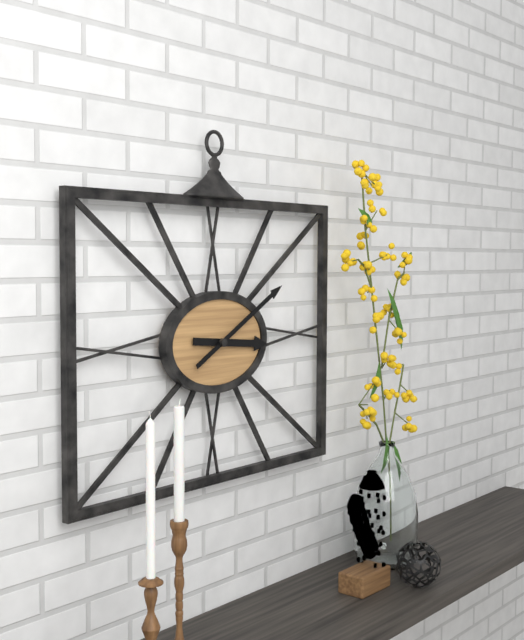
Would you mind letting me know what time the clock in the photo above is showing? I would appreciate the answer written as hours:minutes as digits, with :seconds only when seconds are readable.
3:10
